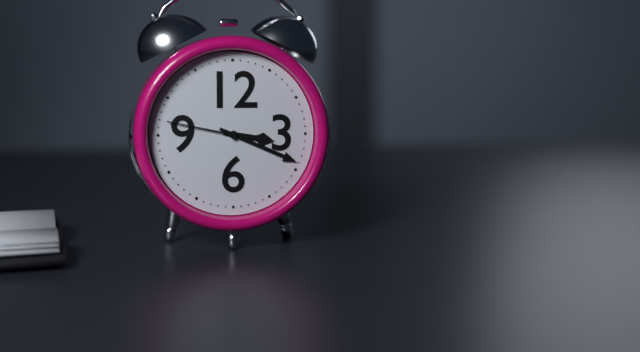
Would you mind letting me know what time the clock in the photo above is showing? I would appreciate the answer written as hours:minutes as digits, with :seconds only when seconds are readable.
3:19:47
